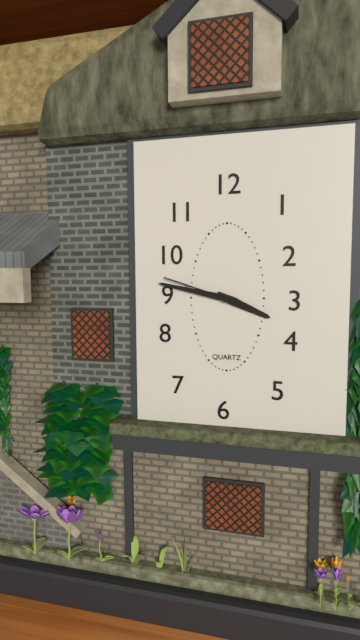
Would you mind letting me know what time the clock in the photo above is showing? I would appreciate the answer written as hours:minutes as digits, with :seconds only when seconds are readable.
3:47:48
